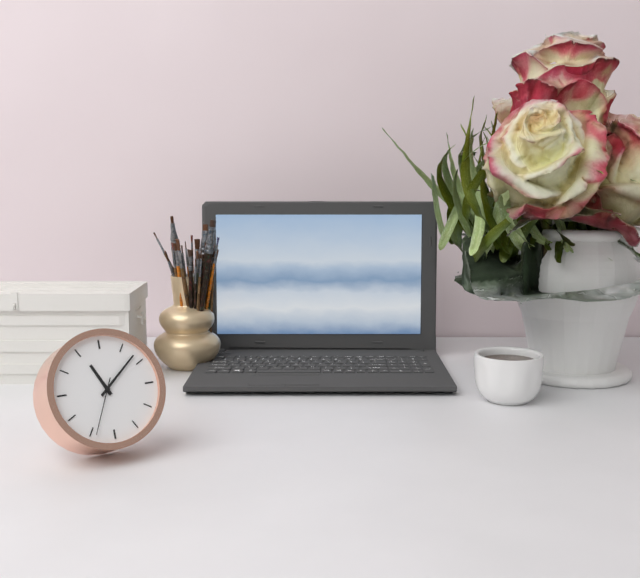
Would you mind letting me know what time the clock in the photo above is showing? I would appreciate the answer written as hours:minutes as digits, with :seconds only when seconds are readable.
11:08:34
